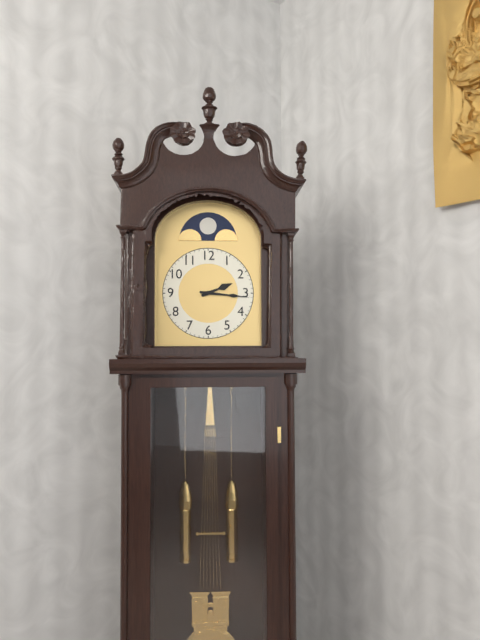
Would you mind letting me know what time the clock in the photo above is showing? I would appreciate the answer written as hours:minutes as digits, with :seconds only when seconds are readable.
2:16
